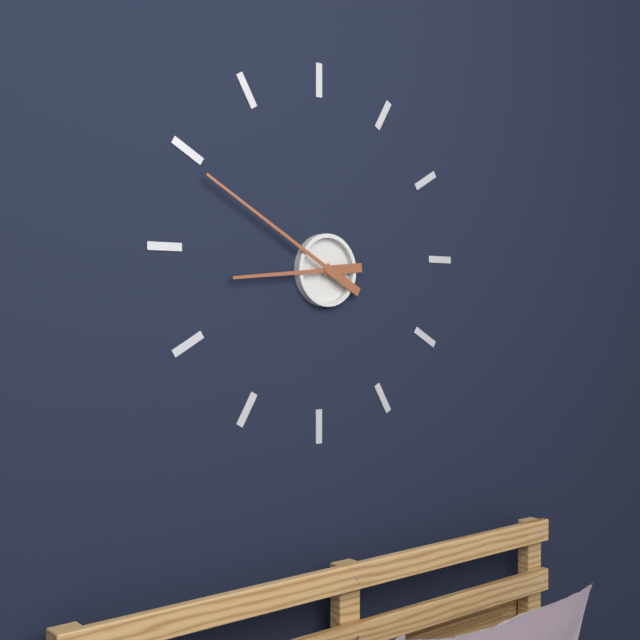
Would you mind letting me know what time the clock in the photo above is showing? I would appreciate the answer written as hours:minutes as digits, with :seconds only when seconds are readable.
8:50
